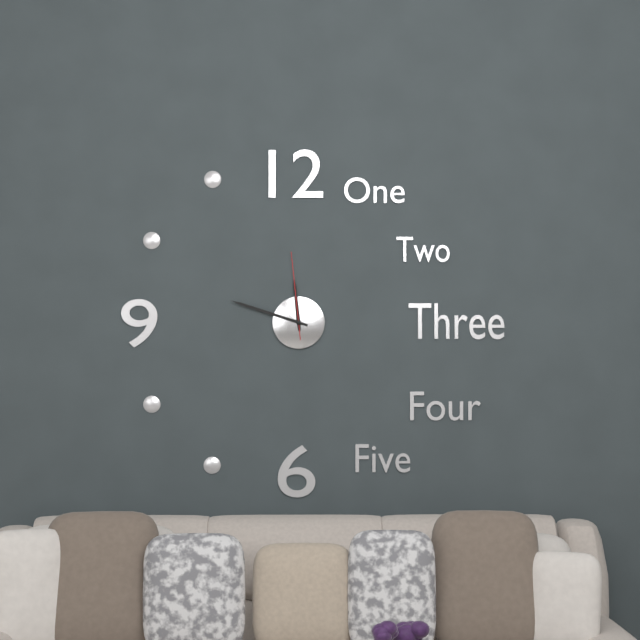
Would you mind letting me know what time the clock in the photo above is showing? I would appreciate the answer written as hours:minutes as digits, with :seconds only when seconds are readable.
11:48:59
